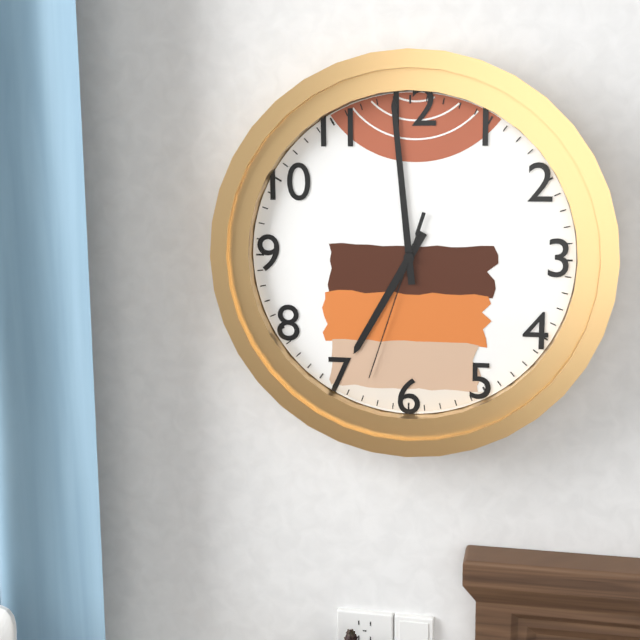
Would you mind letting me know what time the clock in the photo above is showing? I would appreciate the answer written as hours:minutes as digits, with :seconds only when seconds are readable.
6:59:33
